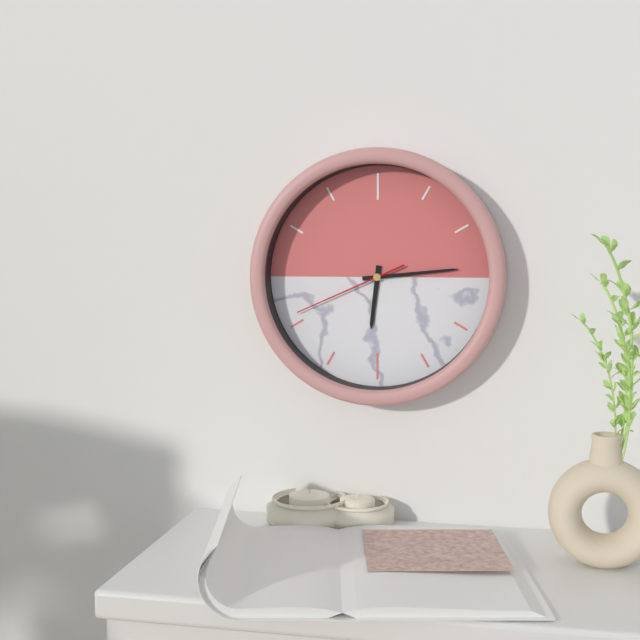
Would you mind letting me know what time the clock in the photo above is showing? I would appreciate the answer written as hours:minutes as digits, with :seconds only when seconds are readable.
6:14:41
